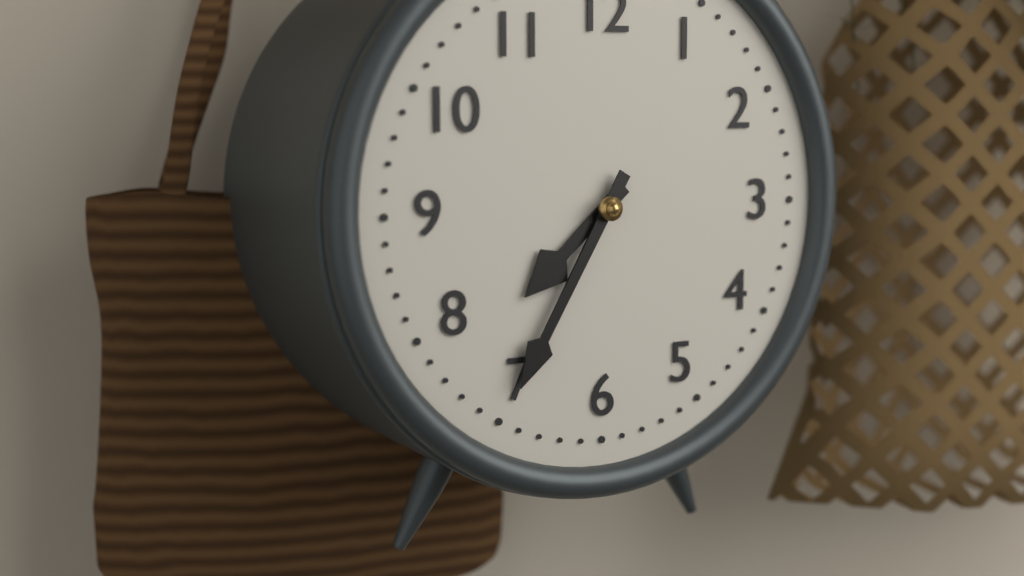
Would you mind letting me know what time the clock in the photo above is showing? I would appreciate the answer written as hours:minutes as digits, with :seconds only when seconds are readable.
7:35
